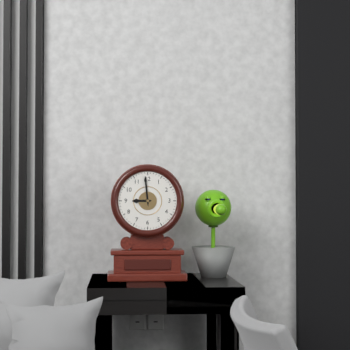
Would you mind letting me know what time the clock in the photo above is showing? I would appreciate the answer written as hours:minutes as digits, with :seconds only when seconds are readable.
8:59
